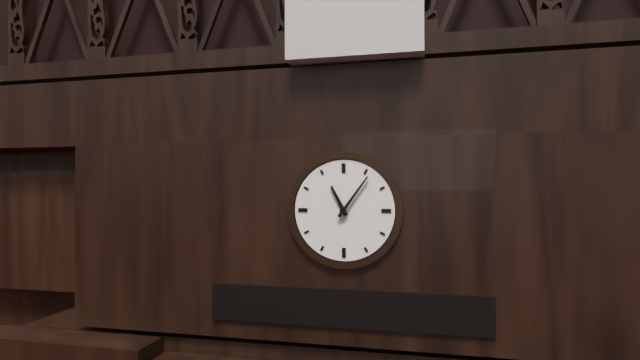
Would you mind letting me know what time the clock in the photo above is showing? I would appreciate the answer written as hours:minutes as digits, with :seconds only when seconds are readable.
11:06
